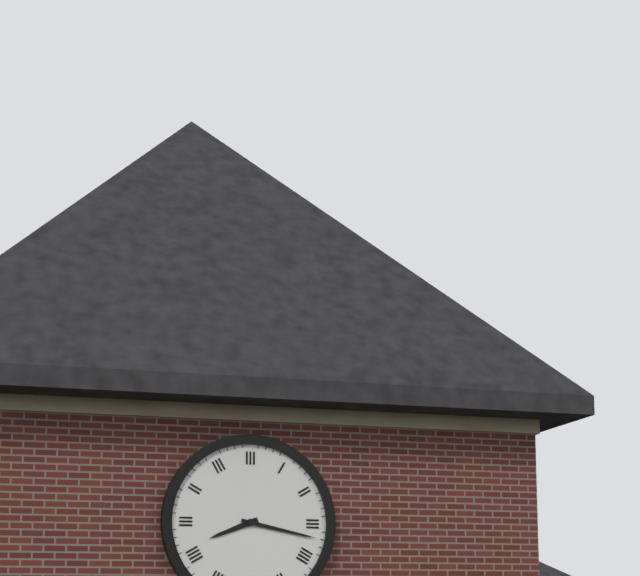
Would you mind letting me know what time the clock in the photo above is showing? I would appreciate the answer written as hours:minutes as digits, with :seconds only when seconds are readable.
8:17
